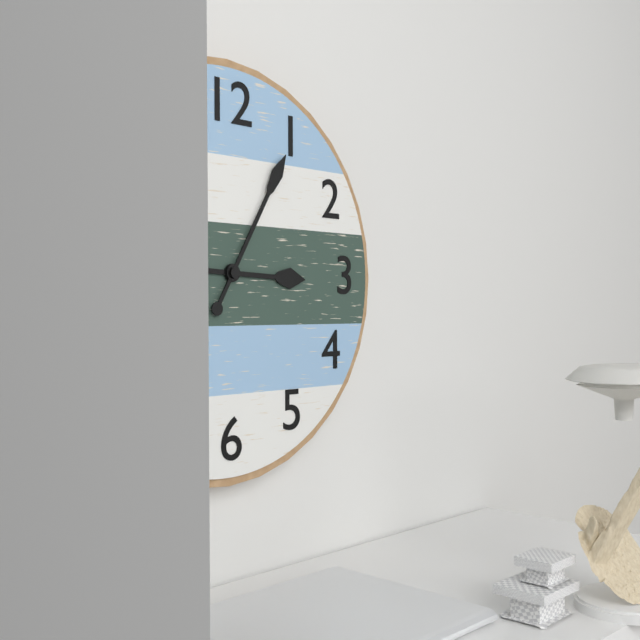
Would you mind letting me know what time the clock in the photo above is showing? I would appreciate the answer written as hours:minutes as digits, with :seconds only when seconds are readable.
3:05
